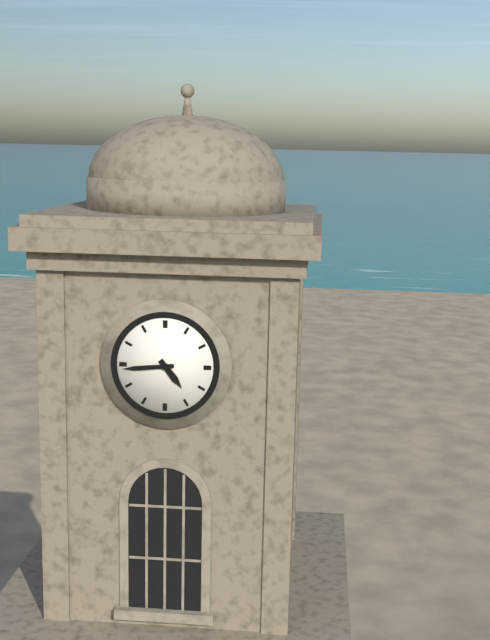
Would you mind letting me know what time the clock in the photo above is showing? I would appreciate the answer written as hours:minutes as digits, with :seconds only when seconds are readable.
4:44
